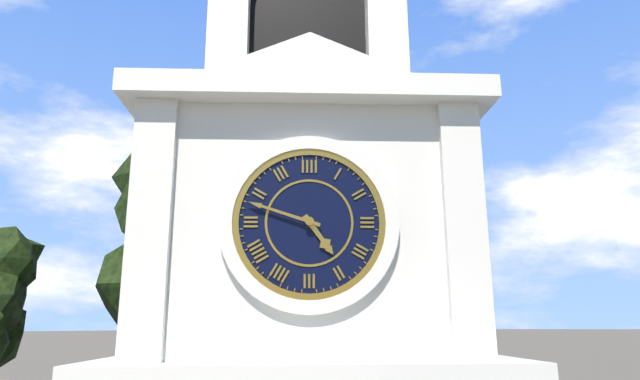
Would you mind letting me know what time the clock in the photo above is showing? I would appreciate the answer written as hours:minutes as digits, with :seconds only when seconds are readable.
4:48
